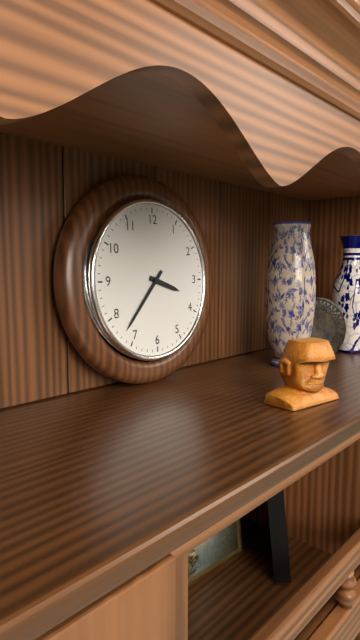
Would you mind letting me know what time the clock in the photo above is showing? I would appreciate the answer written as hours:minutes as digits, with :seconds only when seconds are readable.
3:37
